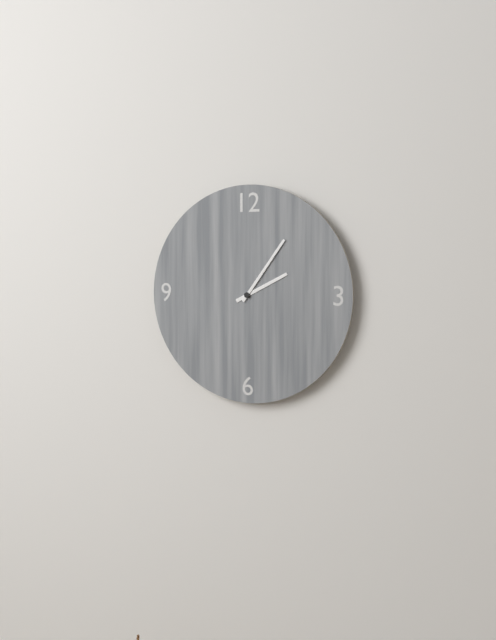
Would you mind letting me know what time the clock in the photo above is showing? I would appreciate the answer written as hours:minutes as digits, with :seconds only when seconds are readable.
2:06
